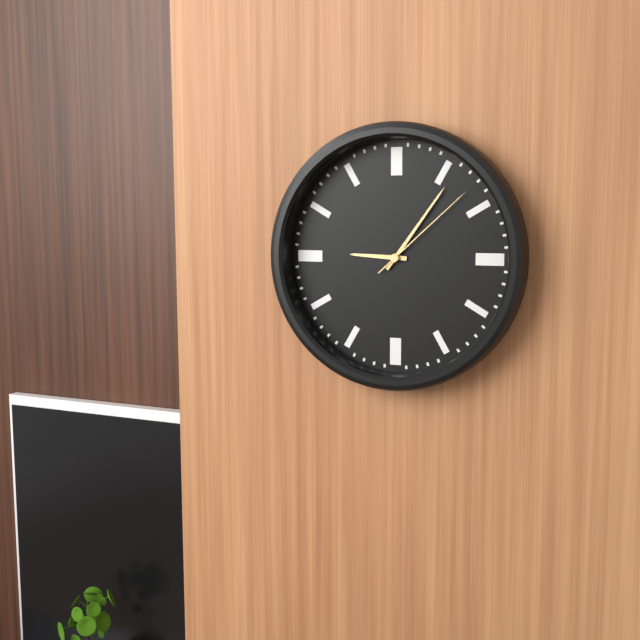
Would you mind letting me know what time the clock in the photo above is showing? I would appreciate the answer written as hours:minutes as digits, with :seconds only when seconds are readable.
9:06:08
